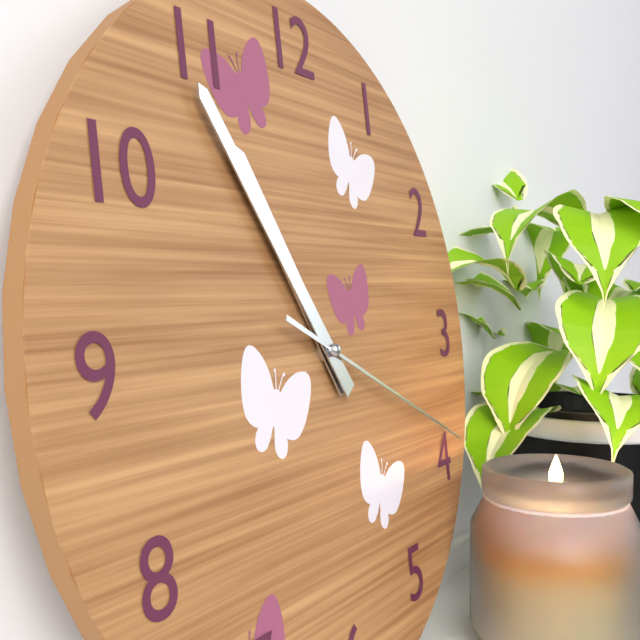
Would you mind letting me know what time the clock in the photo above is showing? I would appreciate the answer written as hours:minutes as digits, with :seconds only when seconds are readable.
10:54:19
